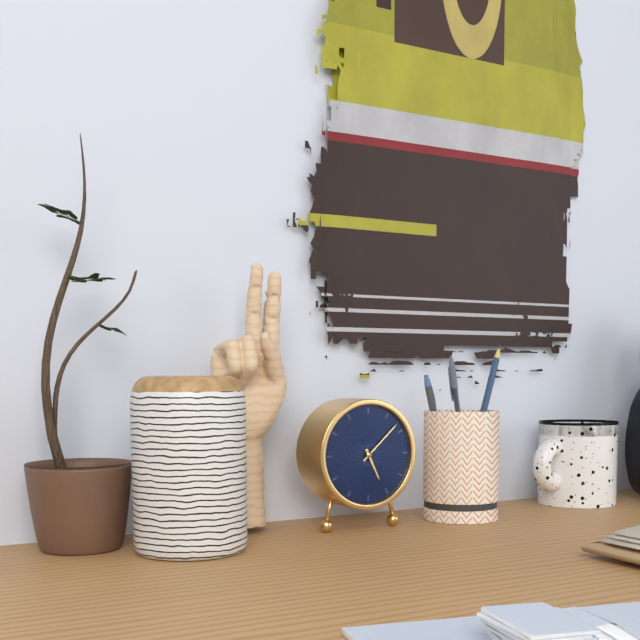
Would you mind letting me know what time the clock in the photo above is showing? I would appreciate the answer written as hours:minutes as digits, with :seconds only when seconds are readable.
5:08
